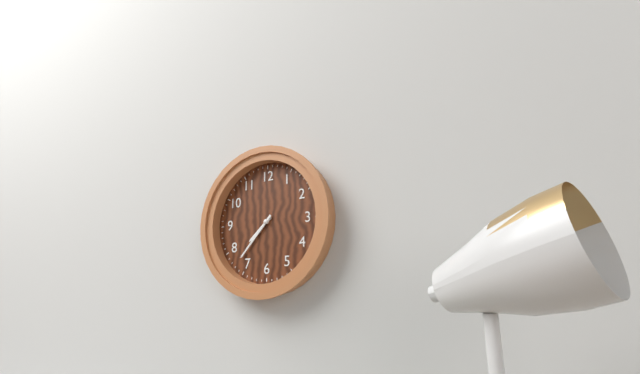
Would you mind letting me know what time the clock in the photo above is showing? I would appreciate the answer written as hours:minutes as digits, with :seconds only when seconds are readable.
7:37
